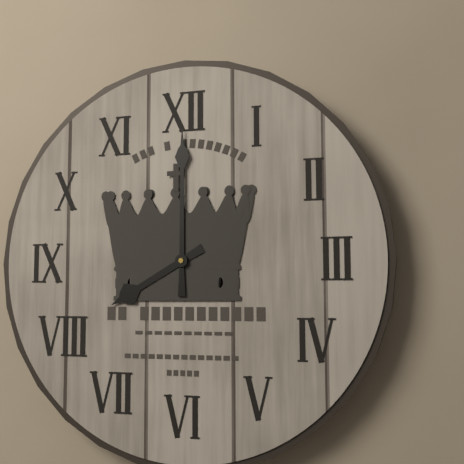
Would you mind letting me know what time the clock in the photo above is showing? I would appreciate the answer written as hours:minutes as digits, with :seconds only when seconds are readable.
8:00
